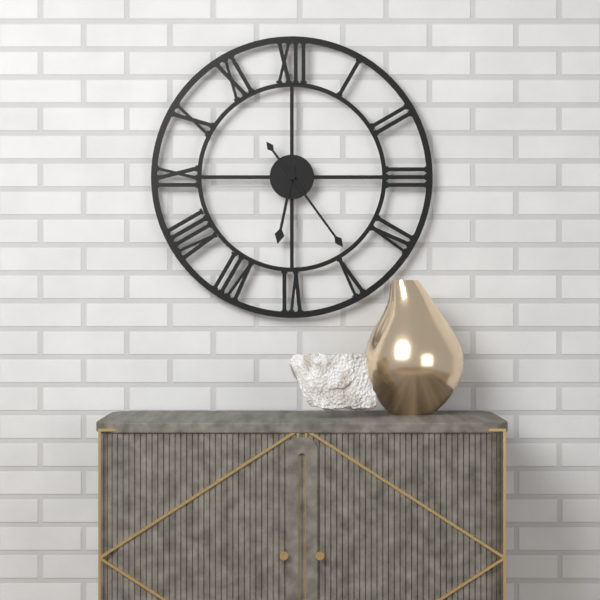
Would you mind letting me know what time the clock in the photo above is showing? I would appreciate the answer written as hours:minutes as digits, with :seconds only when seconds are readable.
6:24
